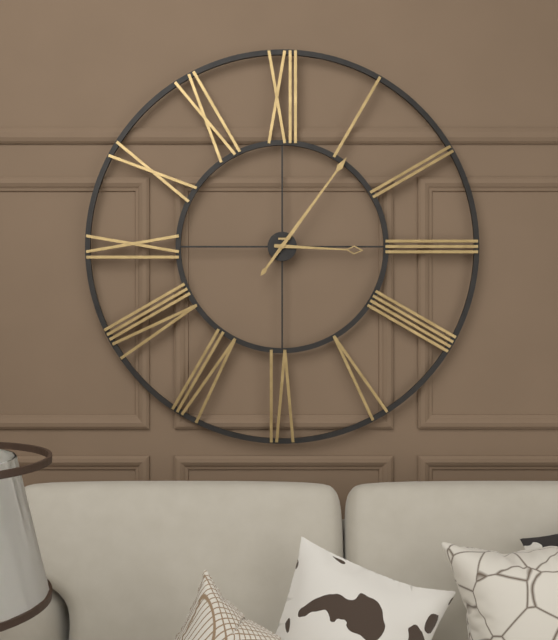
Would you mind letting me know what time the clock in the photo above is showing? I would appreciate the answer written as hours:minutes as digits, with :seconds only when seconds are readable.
3:06
